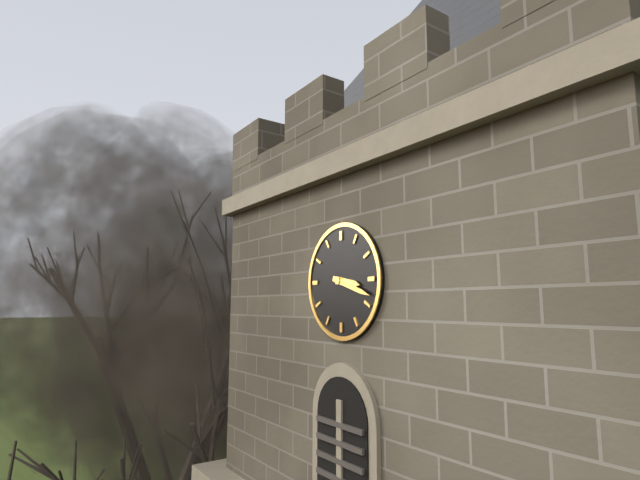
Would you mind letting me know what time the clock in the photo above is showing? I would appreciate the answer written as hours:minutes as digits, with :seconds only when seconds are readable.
3:18
